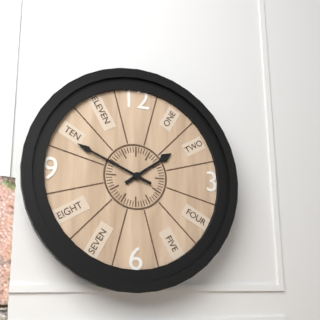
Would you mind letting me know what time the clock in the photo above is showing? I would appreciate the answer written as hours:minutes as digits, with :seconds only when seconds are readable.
1:49
